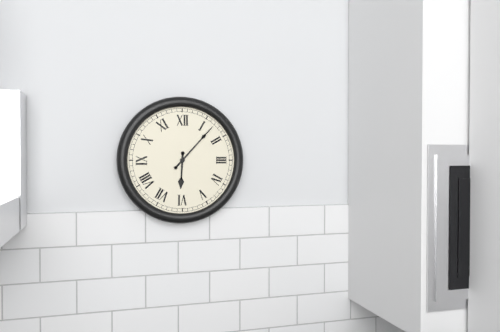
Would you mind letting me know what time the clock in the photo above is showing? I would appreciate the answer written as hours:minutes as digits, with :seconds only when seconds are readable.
6:07
